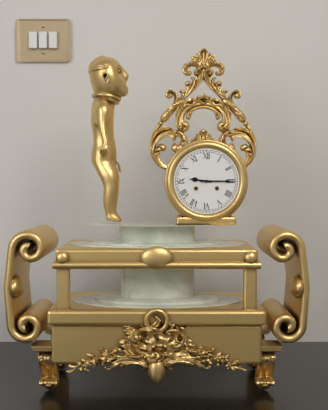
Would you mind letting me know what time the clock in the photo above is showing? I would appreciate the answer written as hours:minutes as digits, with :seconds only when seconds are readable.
9:15
